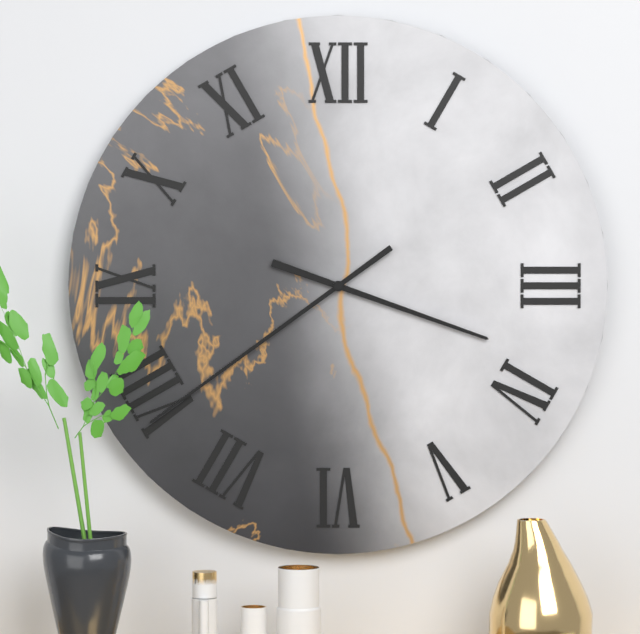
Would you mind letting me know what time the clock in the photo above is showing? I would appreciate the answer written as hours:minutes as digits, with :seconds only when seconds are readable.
3:39
